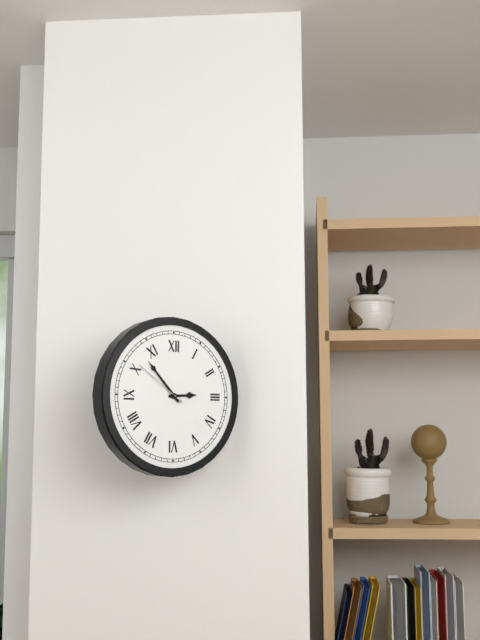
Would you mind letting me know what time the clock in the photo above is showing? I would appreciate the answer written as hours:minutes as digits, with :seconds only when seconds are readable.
2:53:51
